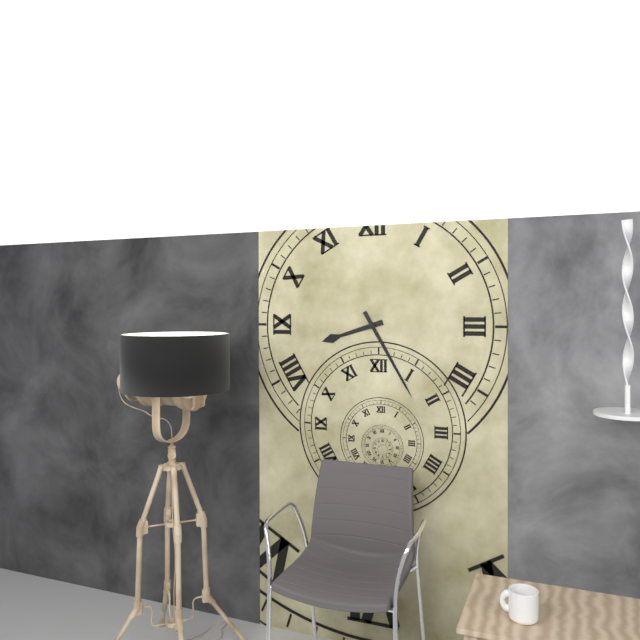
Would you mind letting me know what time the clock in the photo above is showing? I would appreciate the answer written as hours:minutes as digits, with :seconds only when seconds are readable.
8:25
